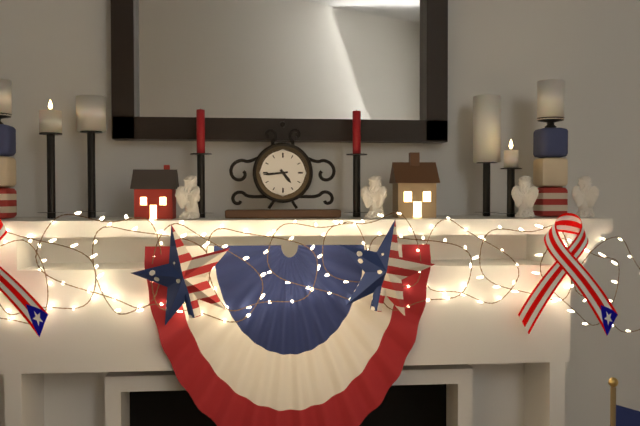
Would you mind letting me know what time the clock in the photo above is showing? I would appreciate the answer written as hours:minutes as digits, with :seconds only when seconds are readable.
4:44
